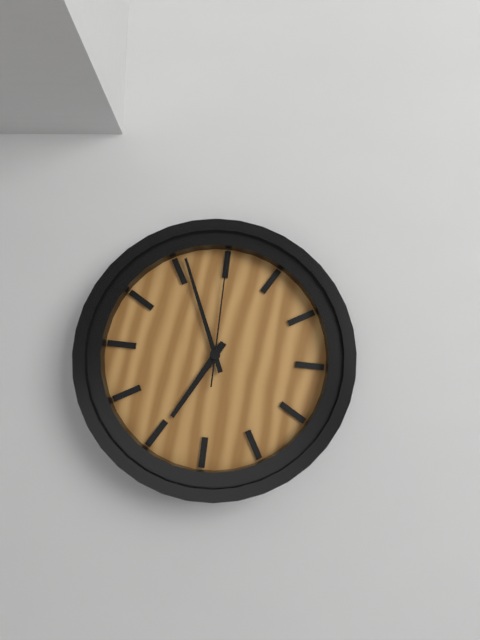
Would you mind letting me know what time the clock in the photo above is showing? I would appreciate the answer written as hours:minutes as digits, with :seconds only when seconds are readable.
6:56:00
